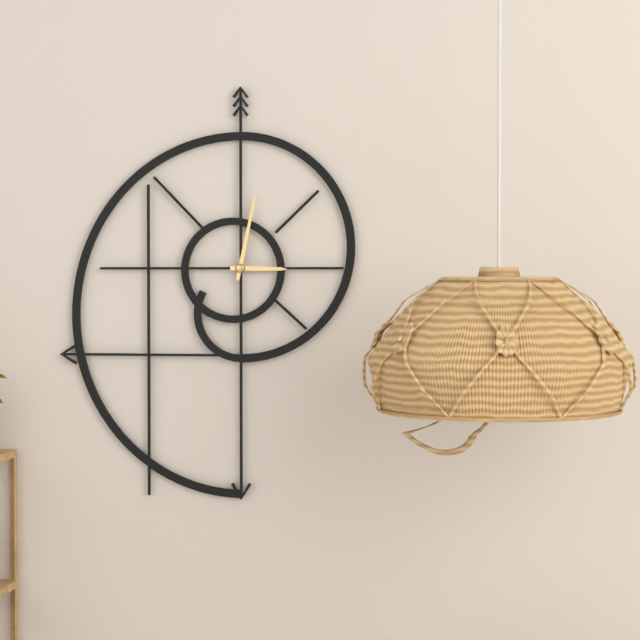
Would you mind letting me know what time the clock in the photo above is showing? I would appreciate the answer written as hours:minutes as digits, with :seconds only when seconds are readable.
3:02
